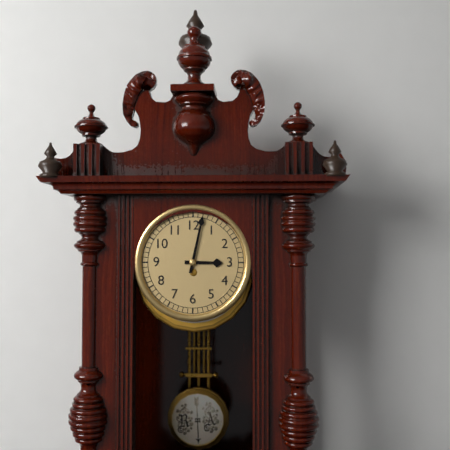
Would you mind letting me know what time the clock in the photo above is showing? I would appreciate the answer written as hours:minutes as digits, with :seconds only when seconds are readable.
3:02
